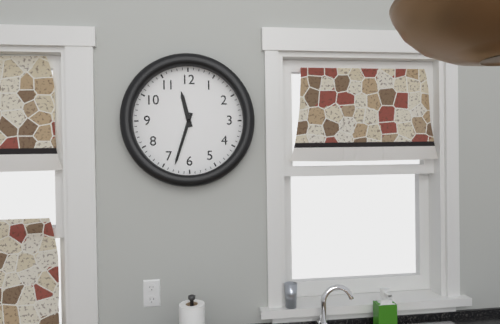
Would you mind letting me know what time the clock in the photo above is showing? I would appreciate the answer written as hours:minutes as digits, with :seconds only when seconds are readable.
11:33
